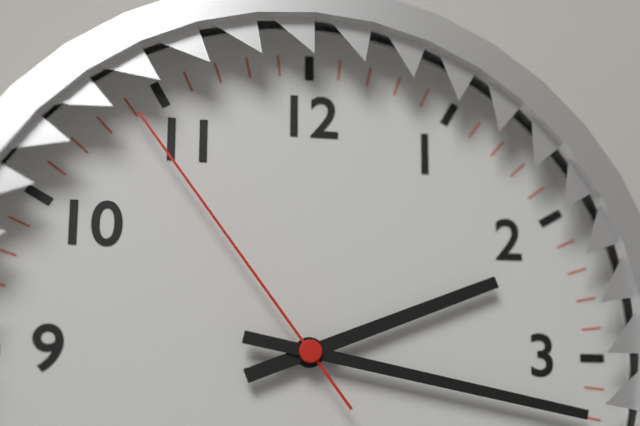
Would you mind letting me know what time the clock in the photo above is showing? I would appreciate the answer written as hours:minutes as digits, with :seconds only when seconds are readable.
2:17:54
